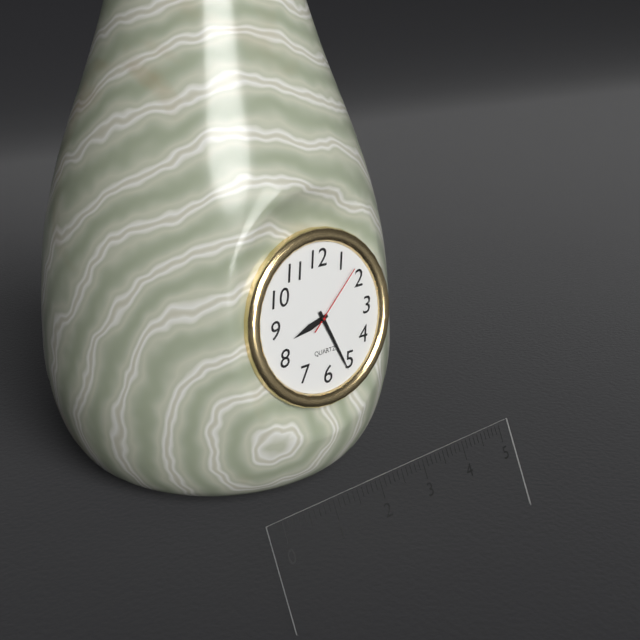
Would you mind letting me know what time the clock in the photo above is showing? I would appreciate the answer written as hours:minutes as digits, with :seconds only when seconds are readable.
8:26:08
